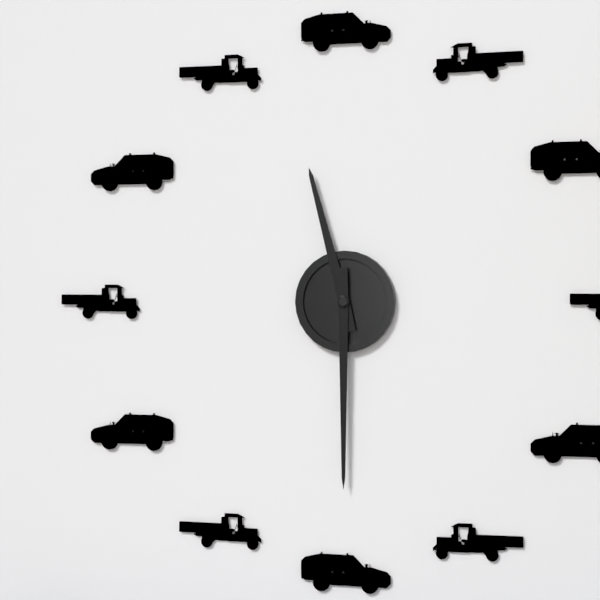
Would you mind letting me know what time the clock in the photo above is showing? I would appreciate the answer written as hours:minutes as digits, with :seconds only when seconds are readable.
11:30
